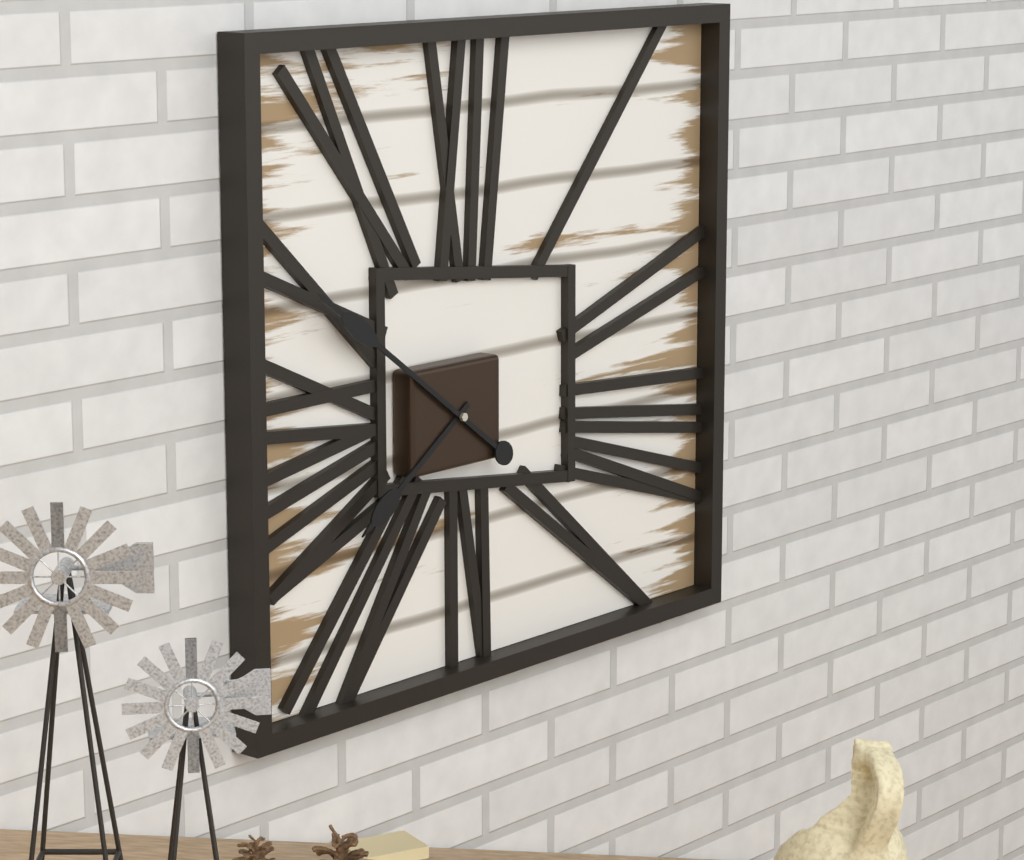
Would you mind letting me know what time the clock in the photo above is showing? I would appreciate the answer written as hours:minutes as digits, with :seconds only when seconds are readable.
7:51
